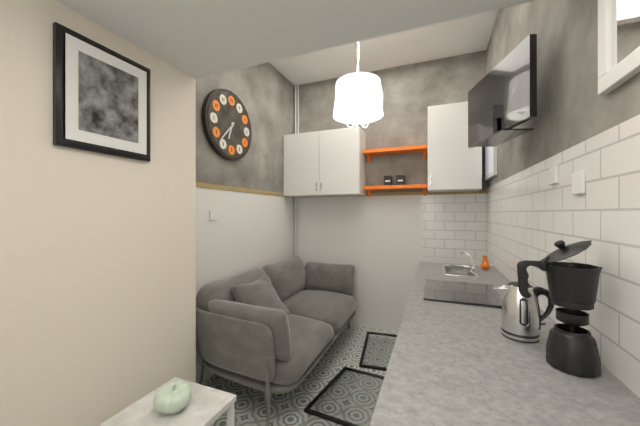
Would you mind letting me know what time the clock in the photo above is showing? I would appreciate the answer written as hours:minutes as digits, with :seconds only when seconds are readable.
6:37
